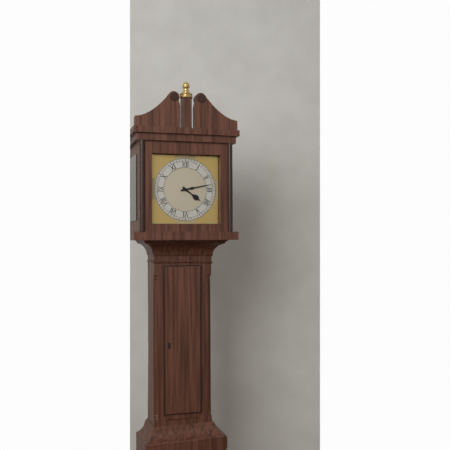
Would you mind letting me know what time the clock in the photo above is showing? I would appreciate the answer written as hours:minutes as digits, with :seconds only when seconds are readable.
4:13
